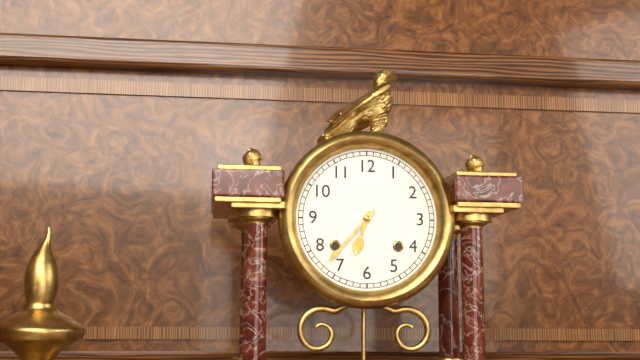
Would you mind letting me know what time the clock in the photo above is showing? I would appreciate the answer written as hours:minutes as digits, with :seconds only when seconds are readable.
6:37
